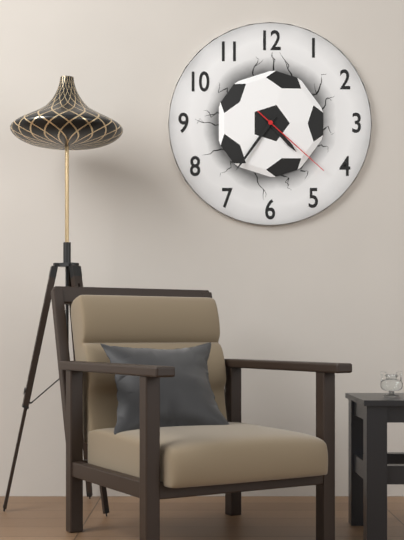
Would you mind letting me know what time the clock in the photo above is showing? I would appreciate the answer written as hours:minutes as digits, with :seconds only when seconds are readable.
4:36:22
